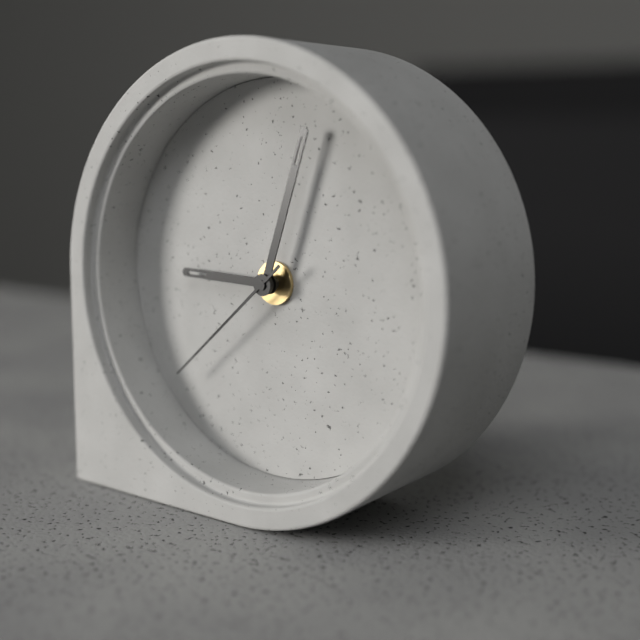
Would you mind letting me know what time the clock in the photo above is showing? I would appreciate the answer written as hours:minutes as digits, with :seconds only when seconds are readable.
9:03:38
